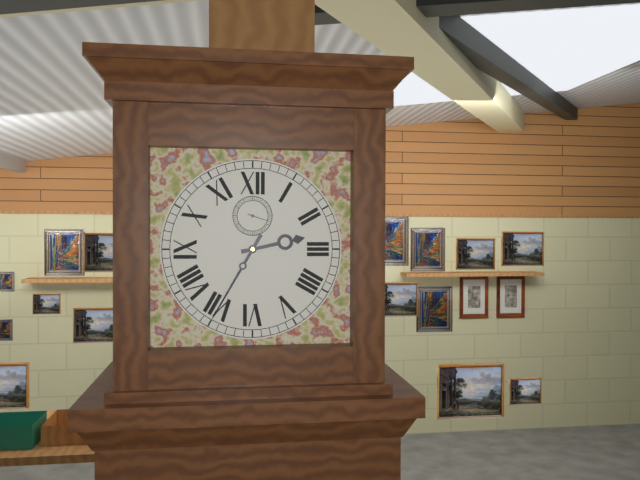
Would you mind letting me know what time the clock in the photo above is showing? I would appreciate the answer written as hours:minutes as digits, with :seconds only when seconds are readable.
2:35
